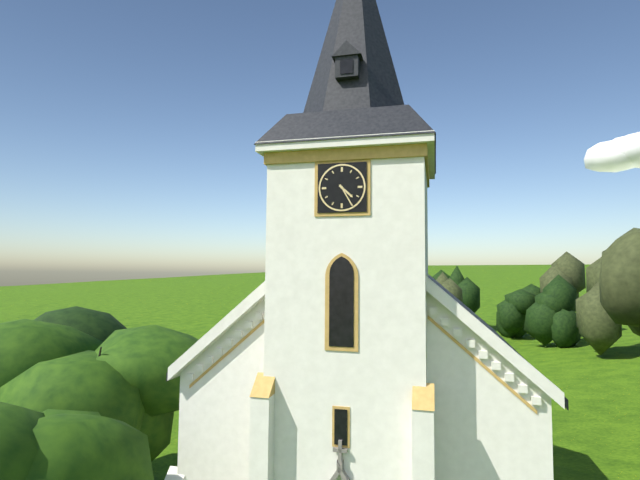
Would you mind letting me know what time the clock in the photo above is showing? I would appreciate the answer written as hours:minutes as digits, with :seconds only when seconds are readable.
4:25
